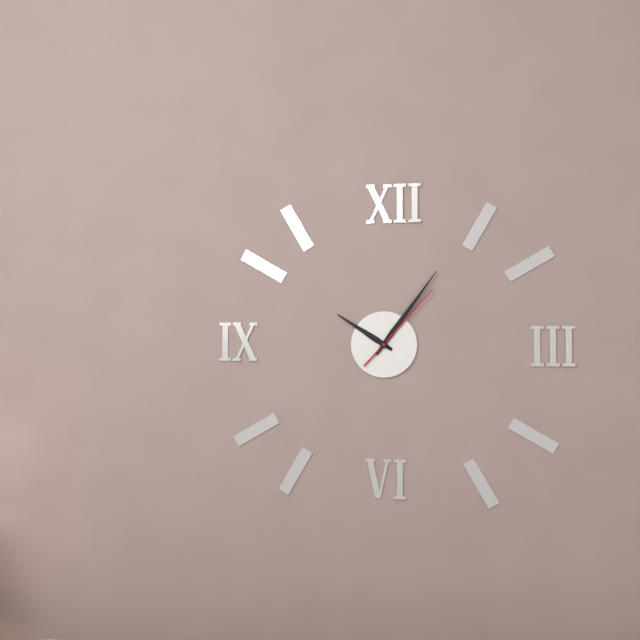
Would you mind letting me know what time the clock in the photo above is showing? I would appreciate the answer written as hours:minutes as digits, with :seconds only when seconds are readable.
10:06:07
